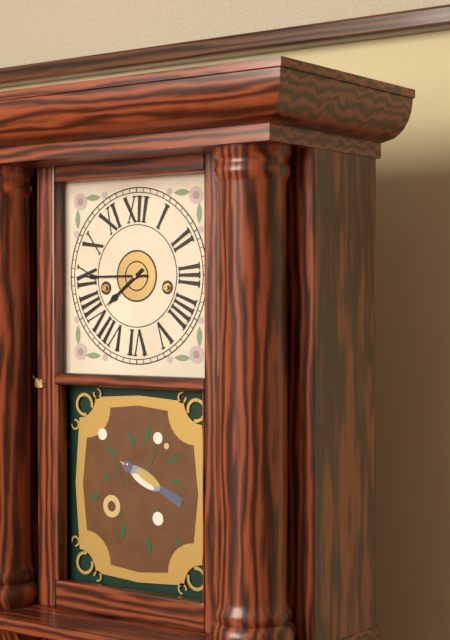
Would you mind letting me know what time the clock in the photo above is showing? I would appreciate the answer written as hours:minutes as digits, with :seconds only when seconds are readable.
7:45
